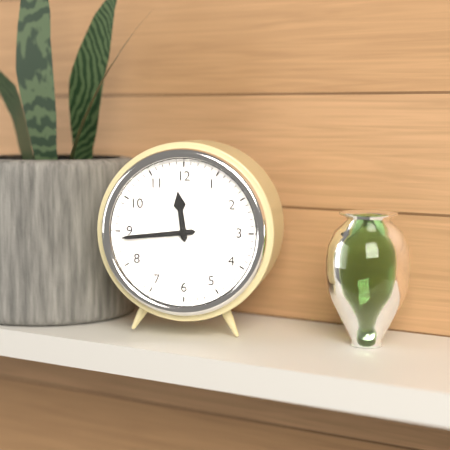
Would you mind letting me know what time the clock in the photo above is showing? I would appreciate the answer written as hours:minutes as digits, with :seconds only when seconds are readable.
11:44
